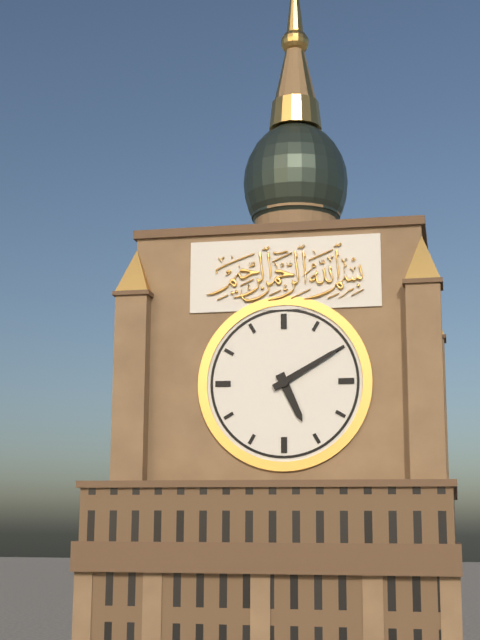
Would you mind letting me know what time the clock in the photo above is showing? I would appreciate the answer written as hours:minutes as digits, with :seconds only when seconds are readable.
5:10
